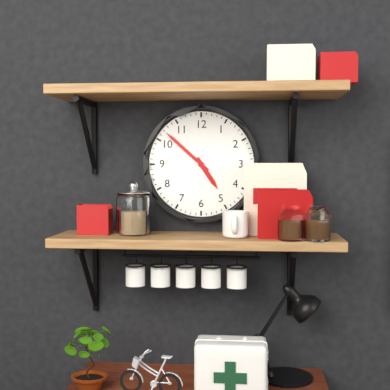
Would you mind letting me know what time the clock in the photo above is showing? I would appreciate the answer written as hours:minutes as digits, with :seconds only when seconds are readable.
4:52
